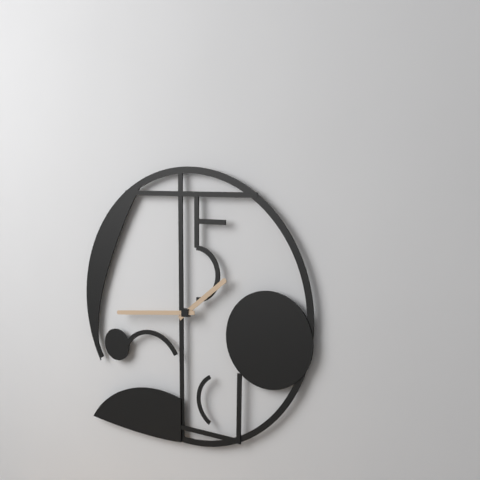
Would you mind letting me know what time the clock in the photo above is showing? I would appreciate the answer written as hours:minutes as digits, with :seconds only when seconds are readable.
1:44
